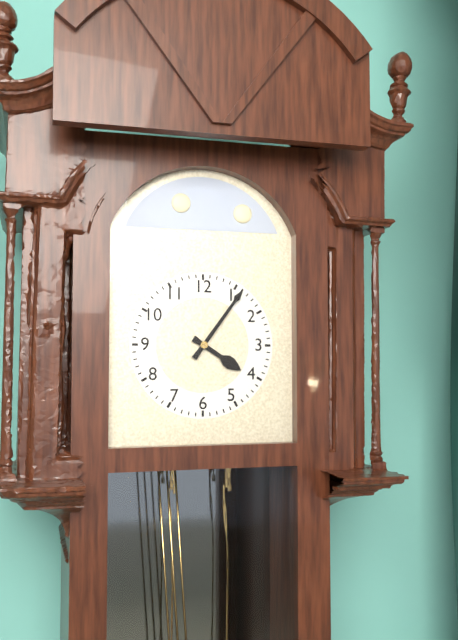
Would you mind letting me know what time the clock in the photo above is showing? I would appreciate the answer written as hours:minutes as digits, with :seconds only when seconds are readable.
4:06
